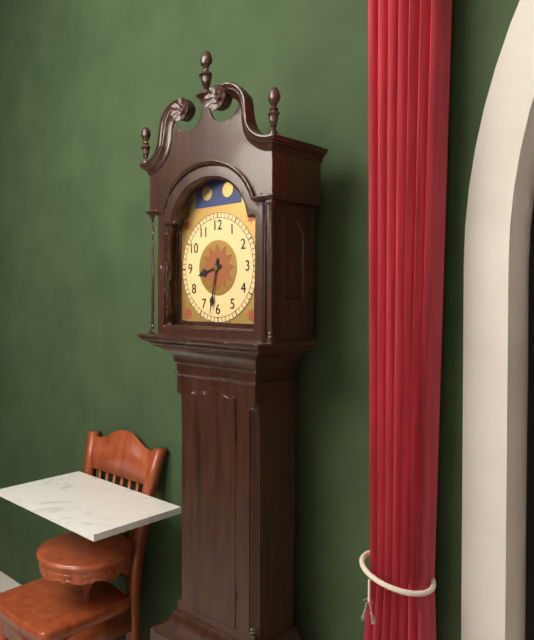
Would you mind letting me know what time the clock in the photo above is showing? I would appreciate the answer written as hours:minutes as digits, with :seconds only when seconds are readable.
8:32
